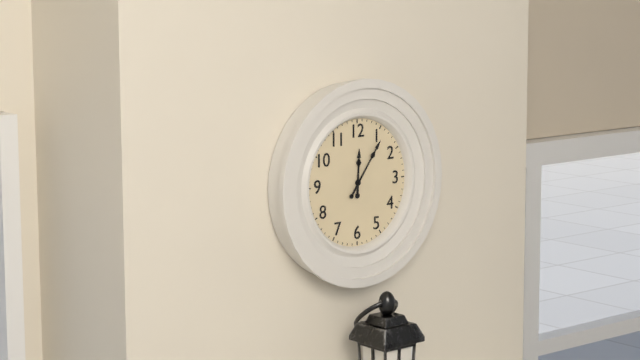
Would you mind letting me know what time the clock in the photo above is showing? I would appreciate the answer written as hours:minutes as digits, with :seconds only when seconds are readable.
12:06
